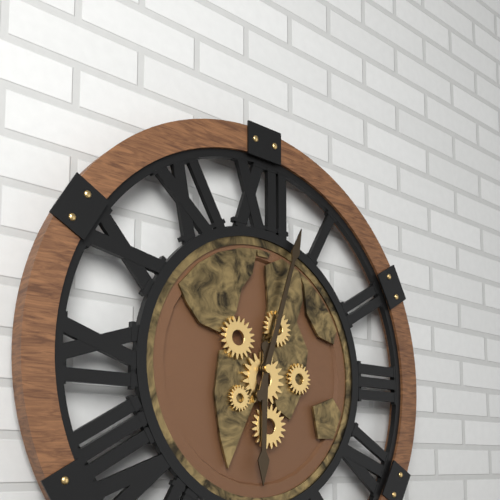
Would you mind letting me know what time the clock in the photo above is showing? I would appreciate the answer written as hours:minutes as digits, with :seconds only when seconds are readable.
6:03
